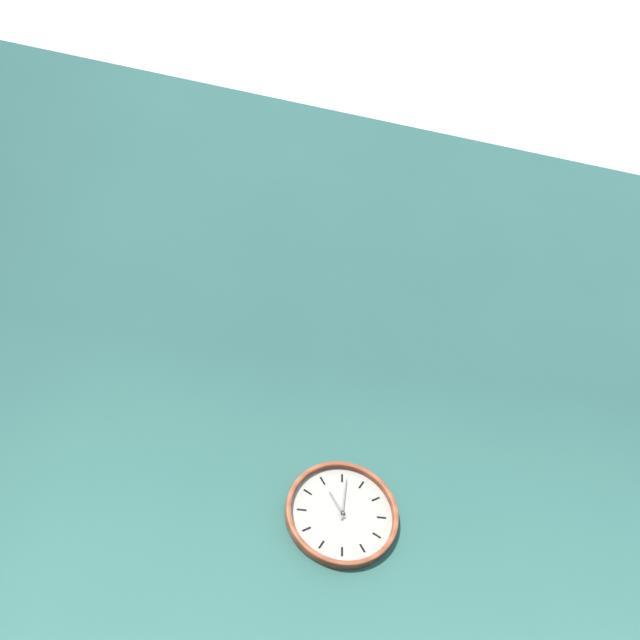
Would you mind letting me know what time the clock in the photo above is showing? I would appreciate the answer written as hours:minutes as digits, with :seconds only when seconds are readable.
11:01
